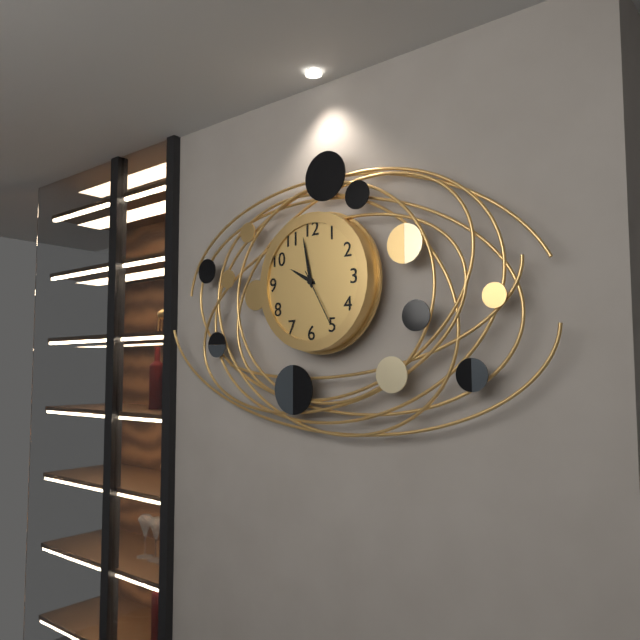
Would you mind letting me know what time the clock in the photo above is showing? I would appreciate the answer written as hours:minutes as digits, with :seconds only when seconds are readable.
9:58:25
